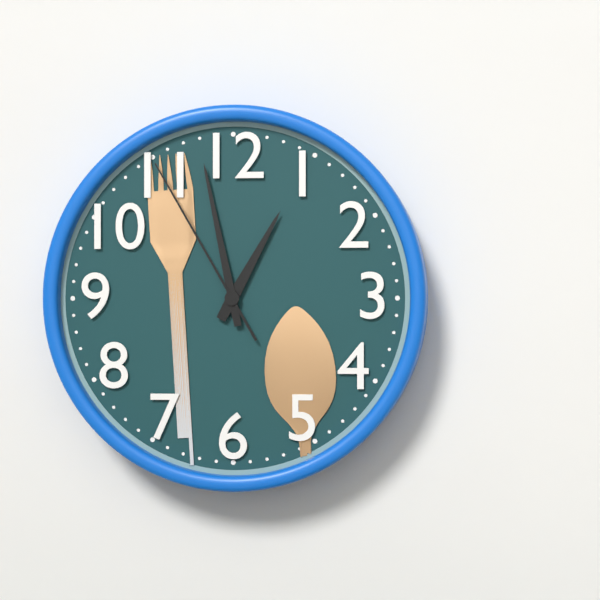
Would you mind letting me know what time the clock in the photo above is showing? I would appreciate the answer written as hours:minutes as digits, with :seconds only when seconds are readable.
12:58:55
